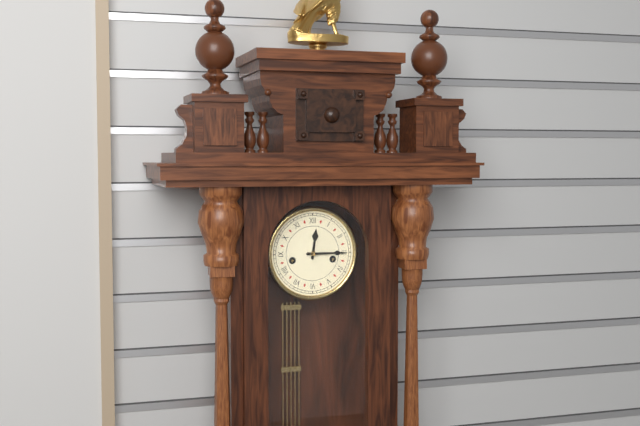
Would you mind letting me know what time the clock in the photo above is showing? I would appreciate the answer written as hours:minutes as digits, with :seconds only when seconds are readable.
12:15
